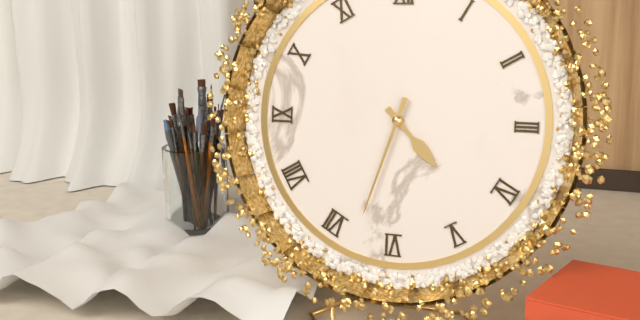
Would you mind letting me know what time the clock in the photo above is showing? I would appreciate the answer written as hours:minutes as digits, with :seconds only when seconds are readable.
4:33
